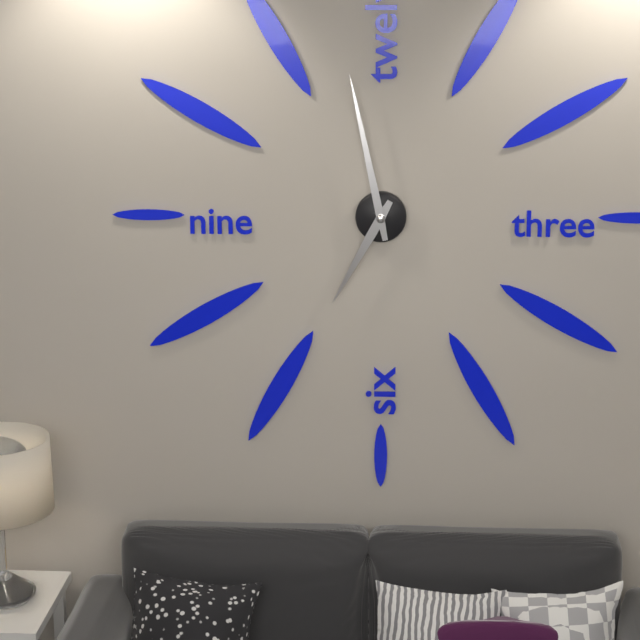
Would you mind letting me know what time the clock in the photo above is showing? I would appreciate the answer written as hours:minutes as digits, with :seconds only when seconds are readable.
6:58
